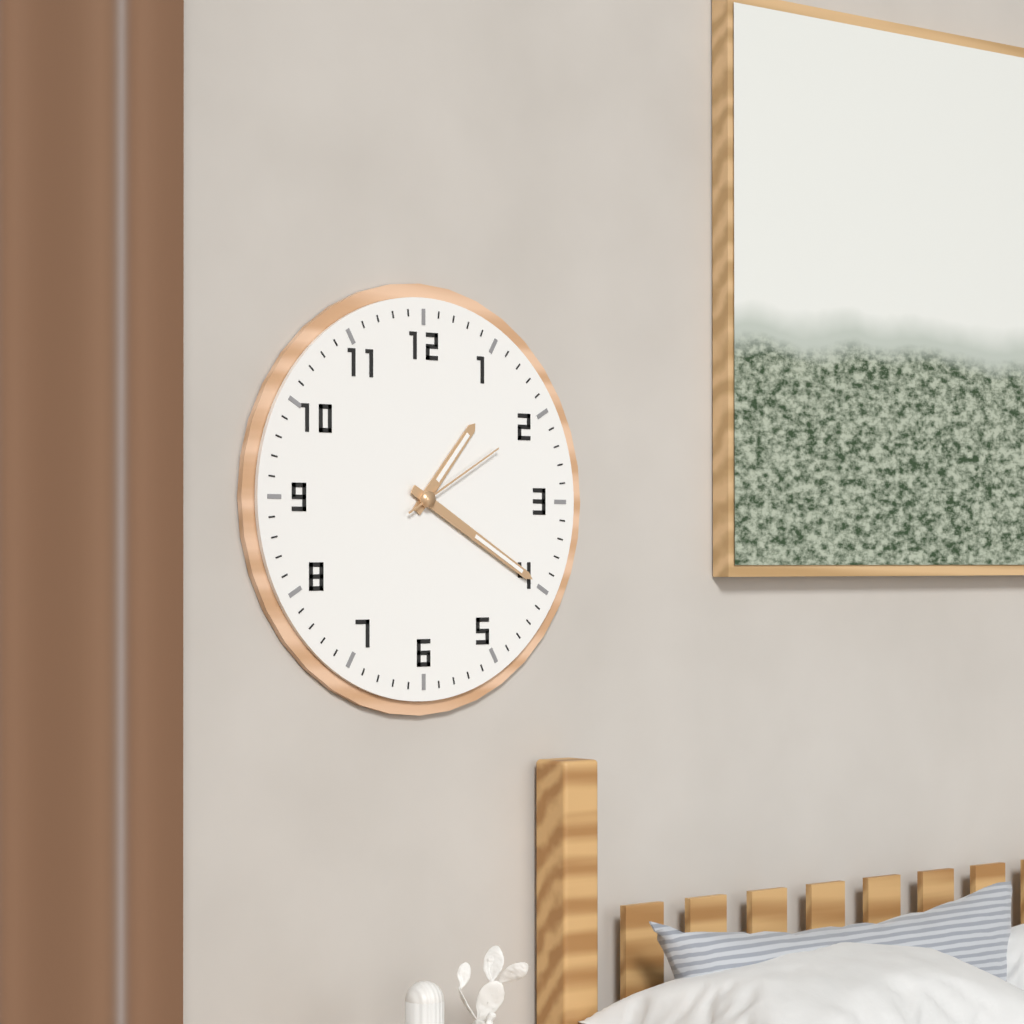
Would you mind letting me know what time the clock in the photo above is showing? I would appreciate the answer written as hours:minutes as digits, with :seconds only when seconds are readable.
1:20:10
